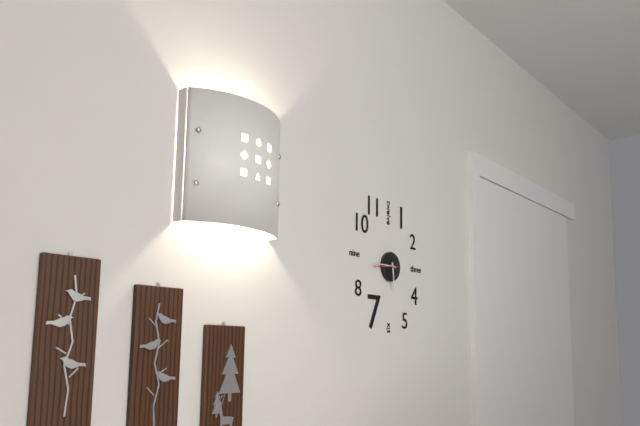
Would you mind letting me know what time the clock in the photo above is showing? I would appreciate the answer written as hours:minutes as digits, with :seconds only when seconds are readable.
5:45
